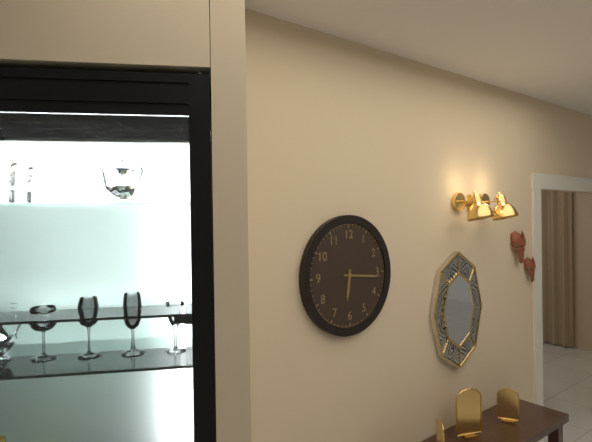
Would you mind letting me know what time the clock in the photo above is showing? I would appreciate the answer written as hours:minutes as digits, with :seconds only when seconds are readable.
6:16
